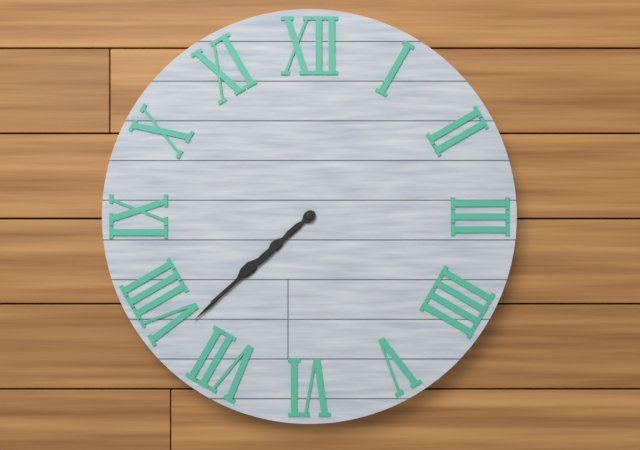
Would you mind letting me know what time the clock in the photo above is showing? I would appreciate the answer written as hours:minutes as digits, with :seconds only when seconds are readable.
7:38
